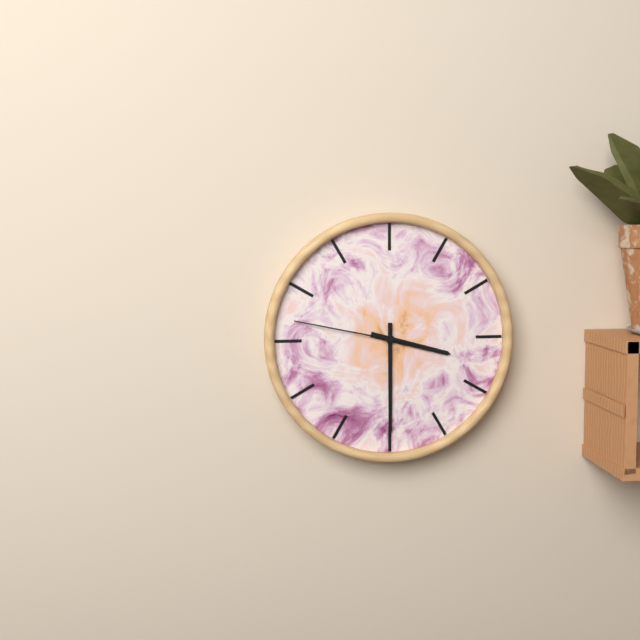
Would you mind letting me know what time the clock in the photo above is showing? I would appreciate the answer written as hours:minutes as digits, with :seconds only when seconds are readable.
3:30:47
